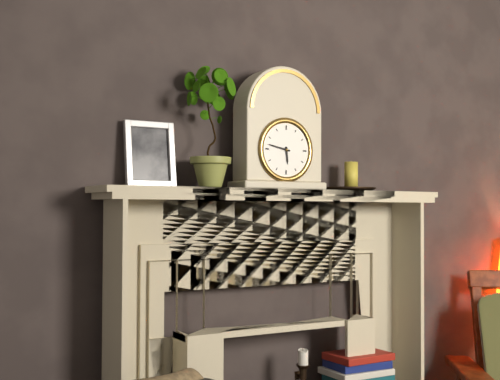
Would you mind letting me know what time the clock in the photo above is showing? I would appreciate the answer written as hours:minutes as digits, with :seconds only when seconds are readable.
5:47
